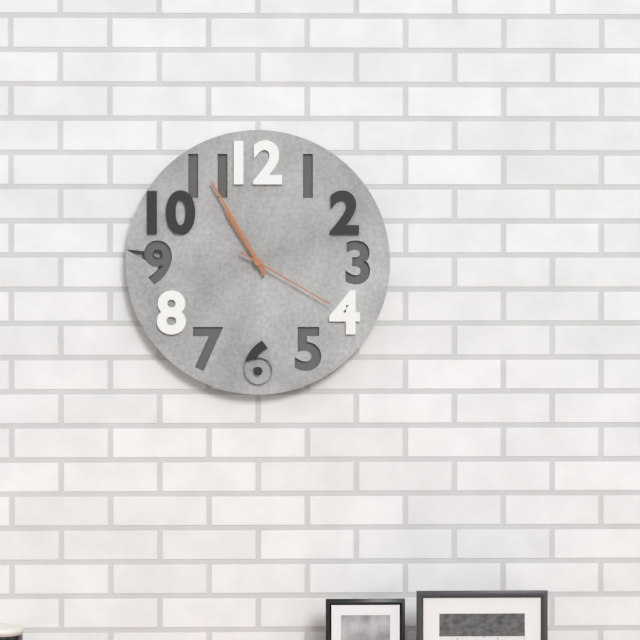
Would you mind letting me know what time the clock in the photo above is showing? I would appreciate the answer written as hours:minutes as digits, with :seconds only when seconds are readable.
10:55:20
